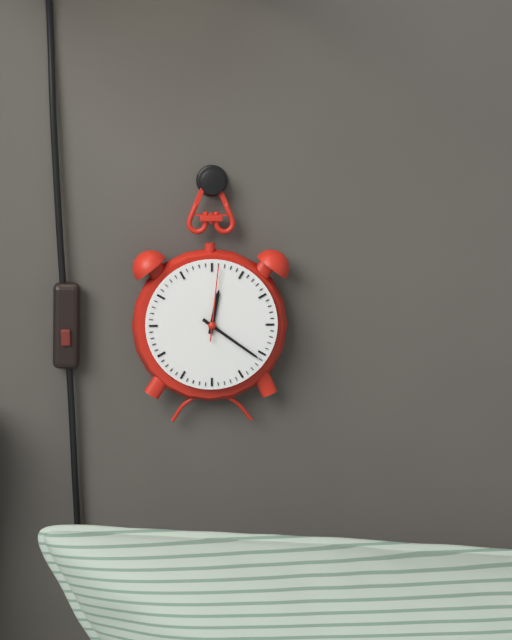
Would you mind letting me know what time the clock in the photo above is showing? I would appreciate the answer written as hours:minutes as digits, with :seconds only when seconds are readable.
12:21:01
